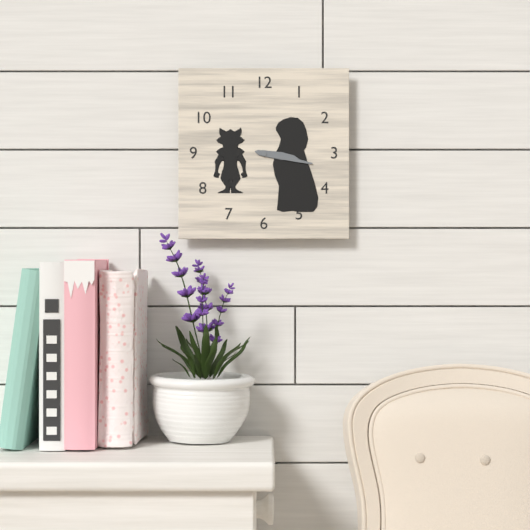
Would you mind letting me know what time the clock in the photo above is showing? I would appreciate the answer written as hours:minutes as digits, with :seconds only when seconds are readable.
3:17
